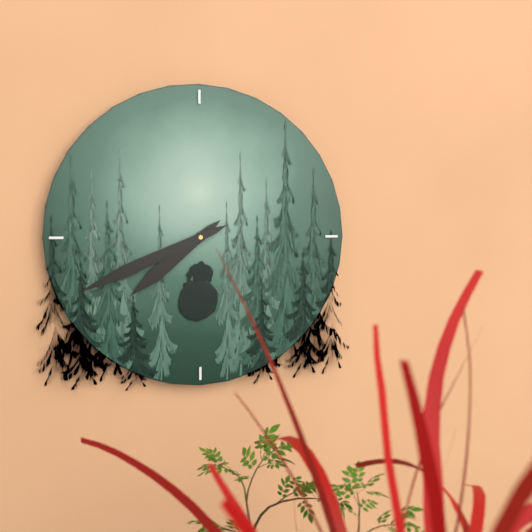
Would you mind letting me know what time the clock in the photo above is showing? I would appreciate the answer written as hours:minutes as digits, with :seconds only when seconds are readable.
7:41
